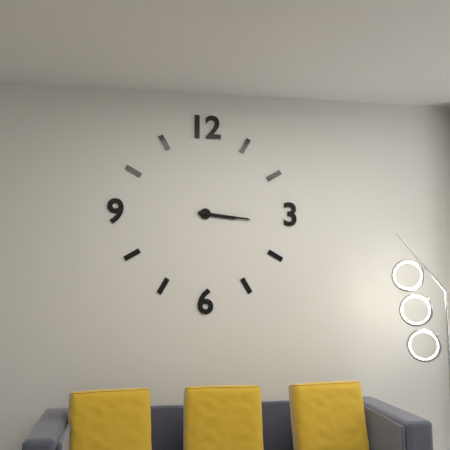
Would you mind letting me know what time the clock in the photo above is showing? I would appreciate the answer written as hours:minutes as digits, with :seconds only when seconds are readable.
3:16
